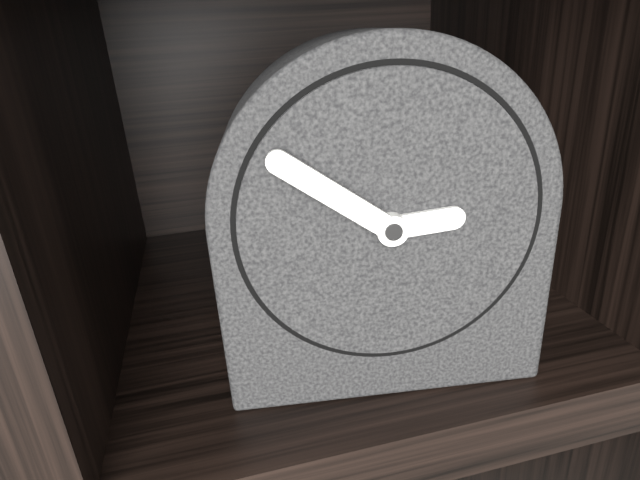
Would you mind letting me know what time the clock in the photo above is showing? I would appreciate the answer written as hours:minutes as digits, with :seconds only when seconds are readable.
2:51
